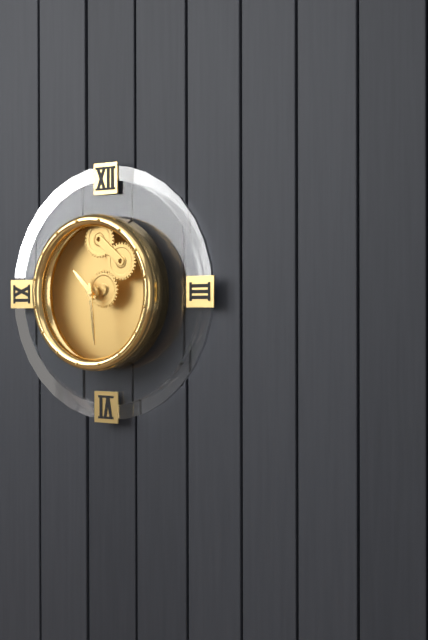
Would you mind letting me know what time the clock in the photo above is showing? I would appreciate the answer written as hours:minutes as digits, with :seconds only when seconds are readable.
10:29
